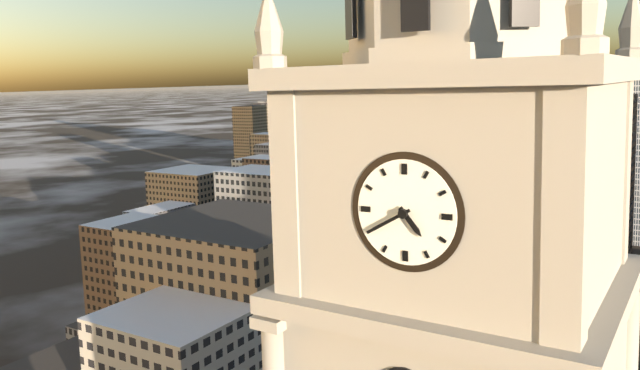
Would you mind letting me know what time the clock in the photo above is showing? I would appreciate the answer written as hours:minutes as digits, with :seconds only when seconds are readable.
4:40
